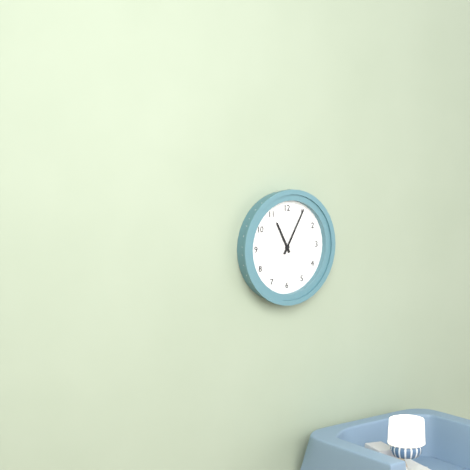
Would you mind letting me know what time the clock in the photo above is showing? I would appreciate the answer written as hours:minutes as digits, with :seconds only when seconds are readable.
11:05
